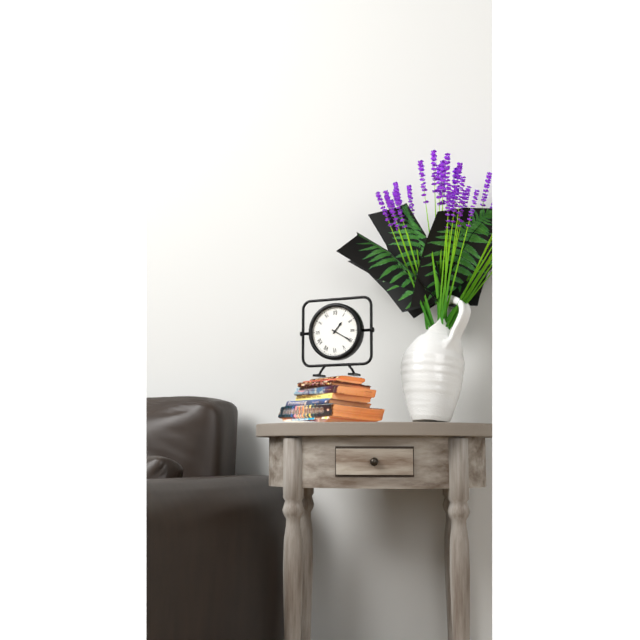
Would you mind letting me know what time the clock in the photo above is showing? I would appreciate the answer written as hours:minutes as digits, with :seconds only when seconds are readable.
1:20
